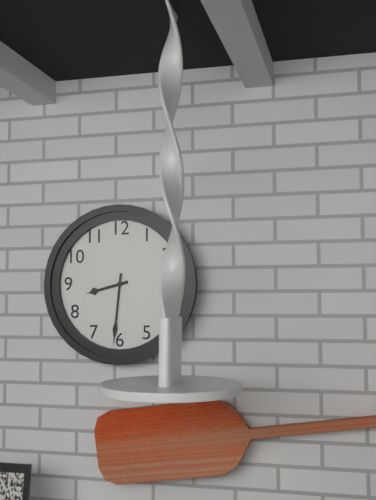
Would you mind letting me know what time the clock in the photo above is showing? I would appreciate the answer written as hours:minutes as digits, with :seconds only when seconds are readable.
8:31
